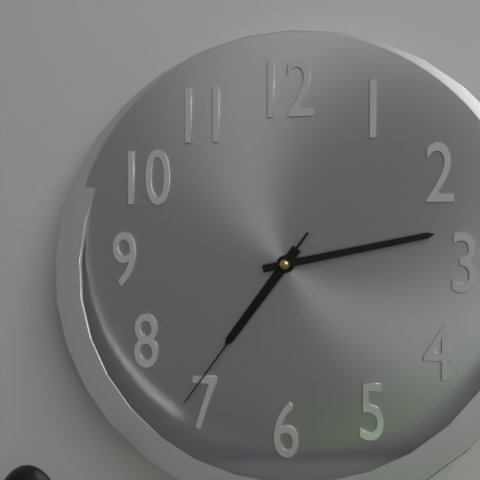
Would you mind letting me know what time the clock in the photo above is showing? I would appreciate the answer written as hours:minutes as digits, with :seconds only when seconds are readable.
7:13:36
